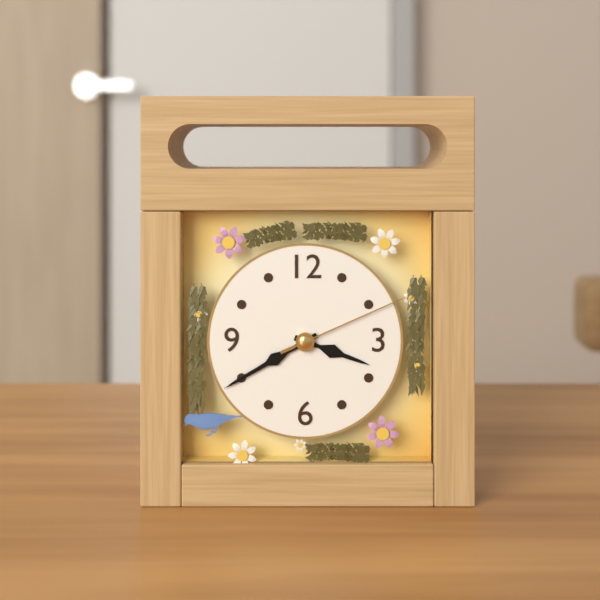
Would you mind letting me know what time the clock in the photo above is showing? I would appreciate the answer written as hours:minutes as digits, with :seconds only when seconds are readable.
3:40:11
